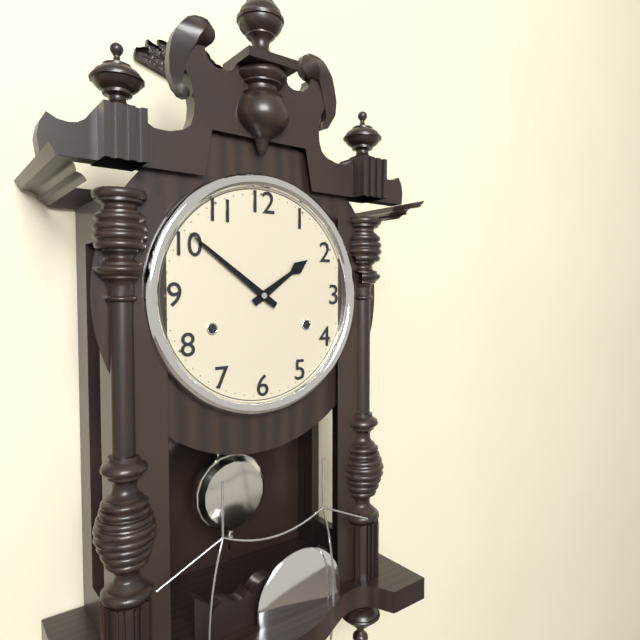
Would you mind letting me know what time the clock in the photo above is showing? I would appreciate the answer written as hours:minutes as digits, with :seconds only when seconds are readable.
1:51
